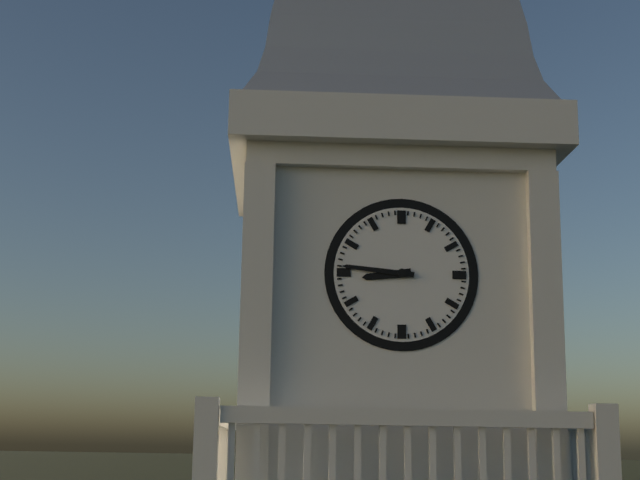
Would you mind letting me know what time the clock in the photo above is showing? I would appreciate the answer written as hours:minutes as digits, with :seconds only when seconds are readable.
8:46
